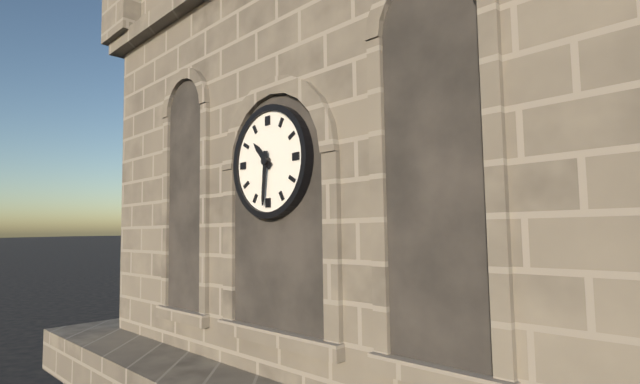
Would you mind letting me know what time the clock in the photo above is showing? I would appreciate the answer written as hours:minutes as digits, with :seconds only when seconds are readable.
10:31
